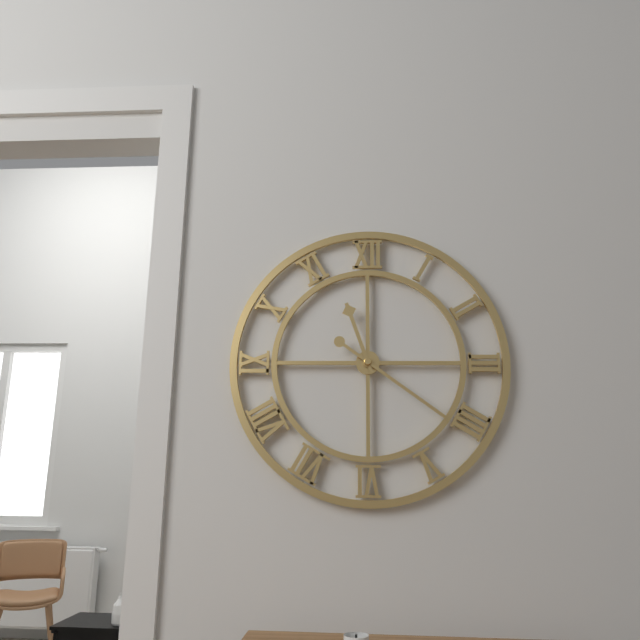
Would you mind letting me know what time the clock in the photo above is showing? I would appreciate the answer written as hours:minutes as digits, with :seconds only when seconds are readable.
11:21
